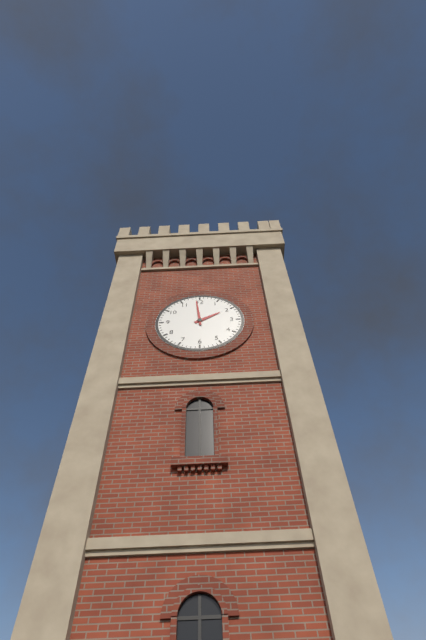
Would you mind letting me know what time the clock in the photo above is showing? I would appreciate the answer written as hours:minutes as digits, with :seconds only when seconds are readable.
1:59
